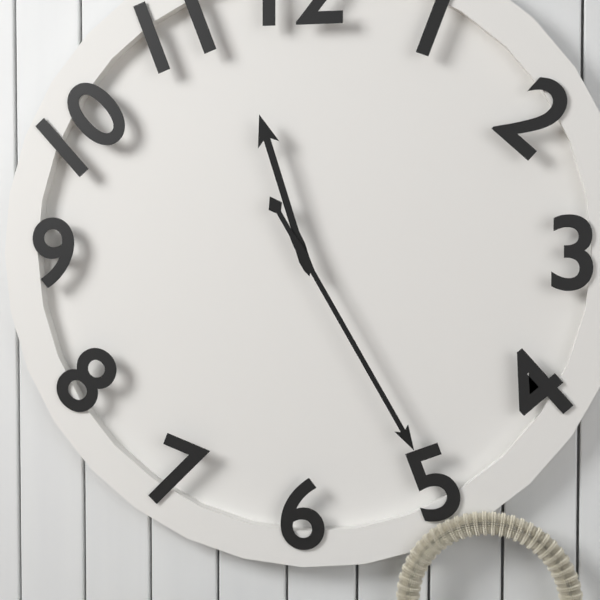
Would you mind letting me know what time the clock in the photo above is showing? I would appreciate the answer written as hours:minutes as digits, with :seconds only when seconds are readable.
11:25
